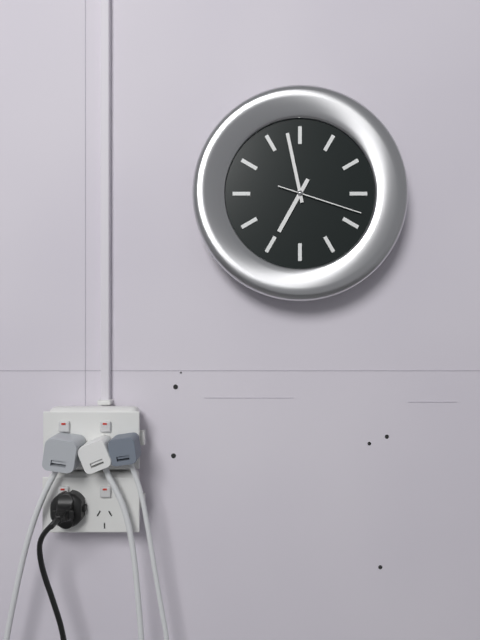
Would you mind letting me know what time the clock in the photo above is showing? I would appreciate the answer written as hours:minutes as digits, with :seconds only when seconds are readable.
6:58:18
